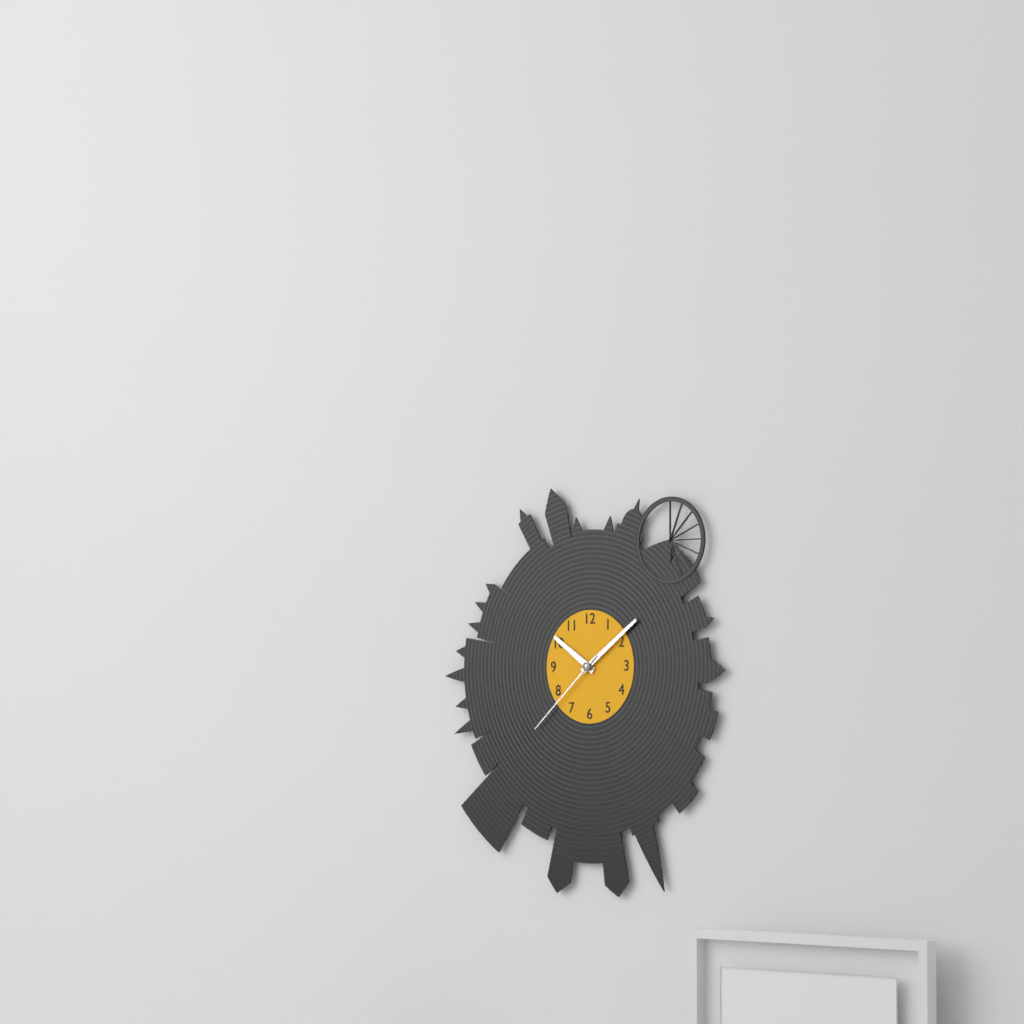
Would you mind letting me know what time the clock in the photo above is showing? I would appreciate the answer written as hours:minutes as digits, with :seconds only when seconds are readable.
10:09:38
